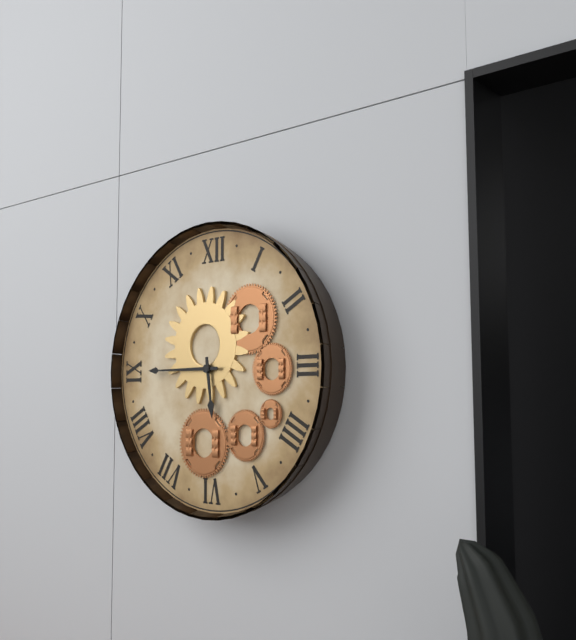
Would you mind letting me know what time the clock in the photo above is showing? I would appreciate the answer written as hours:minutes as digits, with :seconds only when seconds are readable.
5:45
